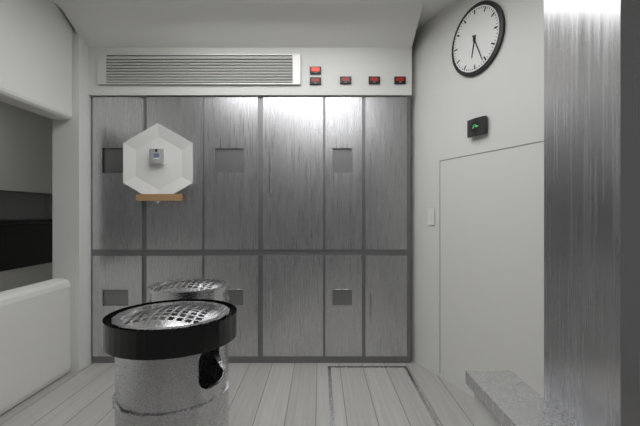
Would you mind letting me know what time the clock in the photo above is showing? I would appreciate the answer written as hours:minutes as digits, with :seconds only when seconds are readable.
6:26
